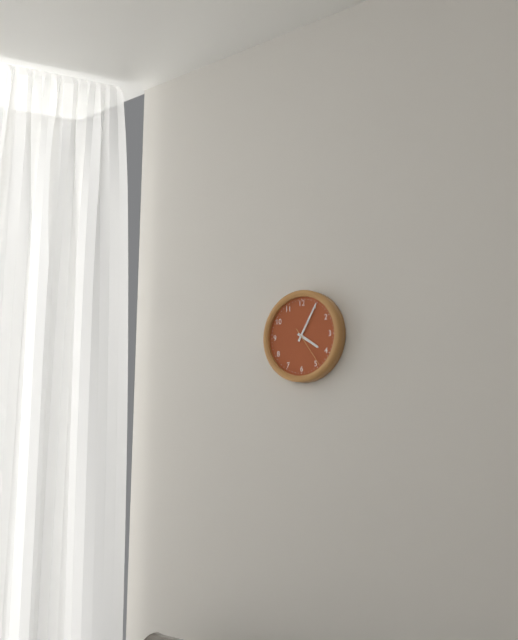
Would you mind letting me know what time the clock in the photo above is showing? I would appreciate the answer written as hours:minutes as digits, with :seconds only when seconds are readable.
4:05
